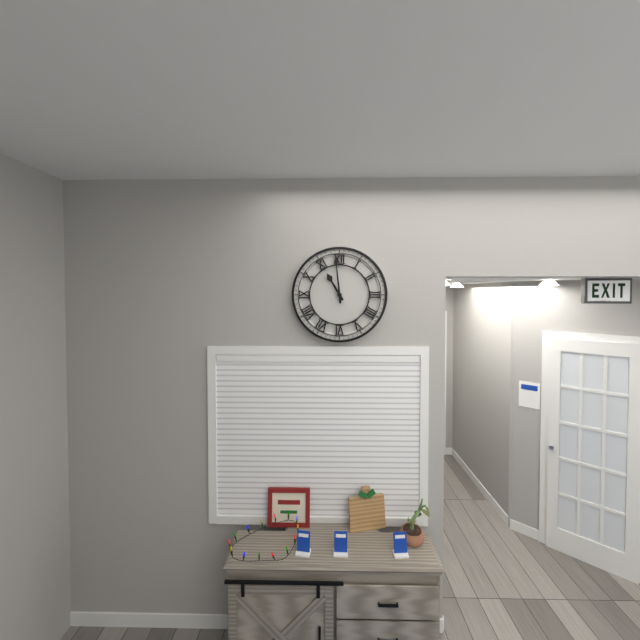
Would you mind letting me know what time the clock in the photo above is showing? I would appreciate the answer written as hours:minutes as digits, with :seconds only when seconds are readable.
10:59
